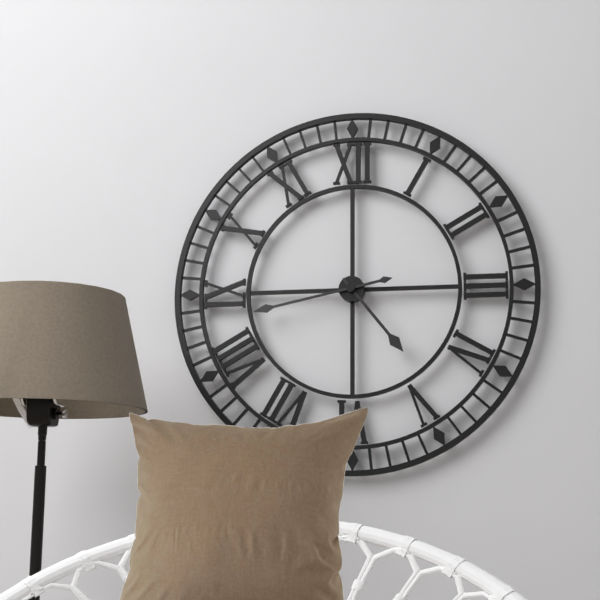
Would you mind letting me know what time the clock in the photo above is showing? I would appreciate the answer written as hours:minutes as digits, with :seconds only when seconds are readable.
4:43
